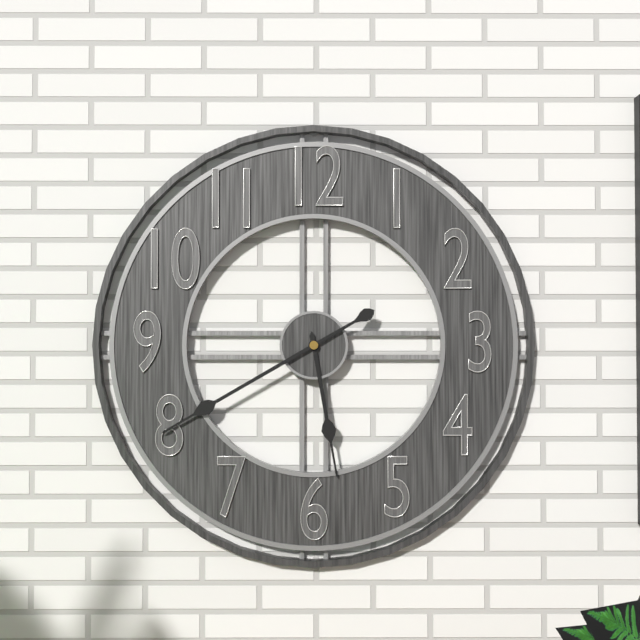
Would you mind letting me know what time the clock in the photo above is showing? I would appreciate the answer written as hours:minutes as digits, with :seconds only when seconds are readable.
5:40
